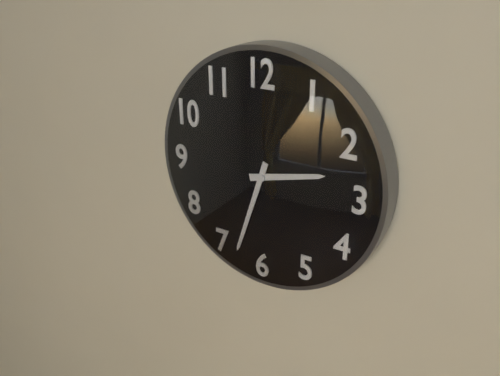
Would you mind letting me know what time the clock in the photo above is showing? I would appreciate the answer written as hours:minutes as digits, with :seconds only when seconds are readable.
2:33
